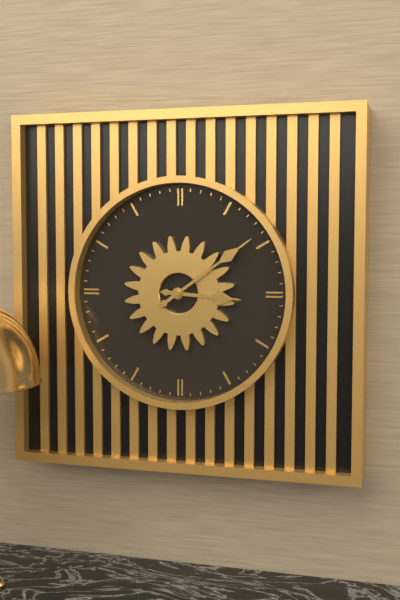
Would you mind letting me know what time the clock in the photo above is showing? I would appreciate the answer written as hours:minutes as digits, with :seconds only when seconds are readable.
3:09
